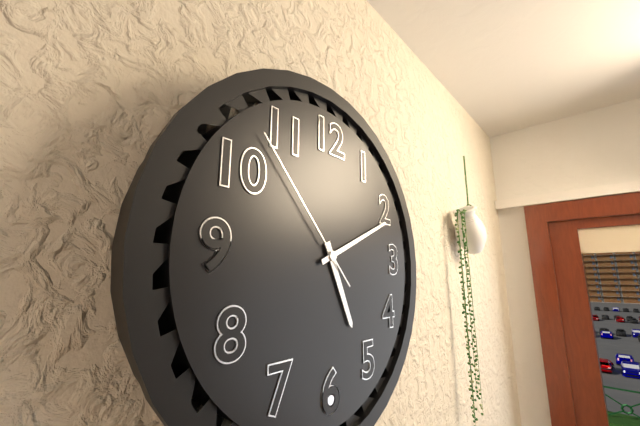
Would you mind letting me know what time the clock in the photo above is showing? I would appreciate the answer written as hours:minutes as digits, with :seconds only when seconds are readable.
5:11:53
